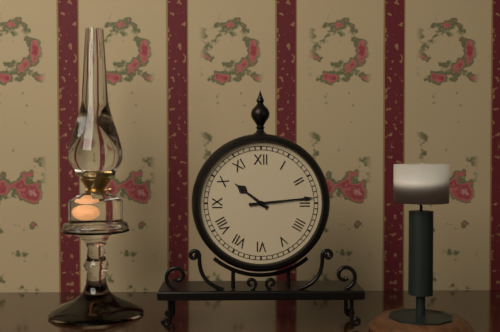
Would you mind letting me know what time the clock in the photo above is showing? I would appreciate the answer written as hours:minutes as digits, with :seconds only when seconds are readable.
10:14
